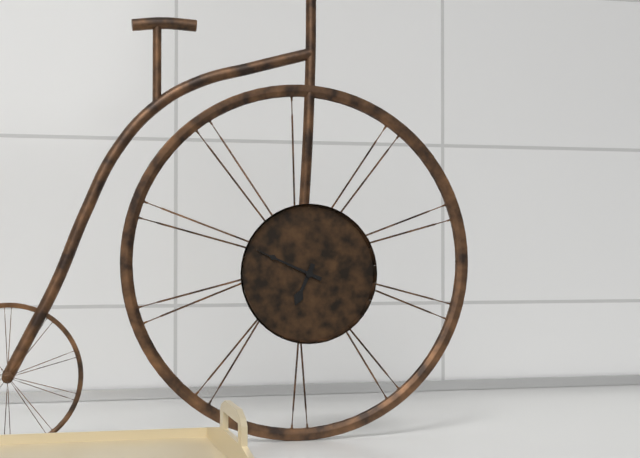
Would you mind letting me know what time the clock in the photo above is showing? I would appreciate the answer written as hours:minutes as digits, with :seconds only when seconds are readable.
6:49
